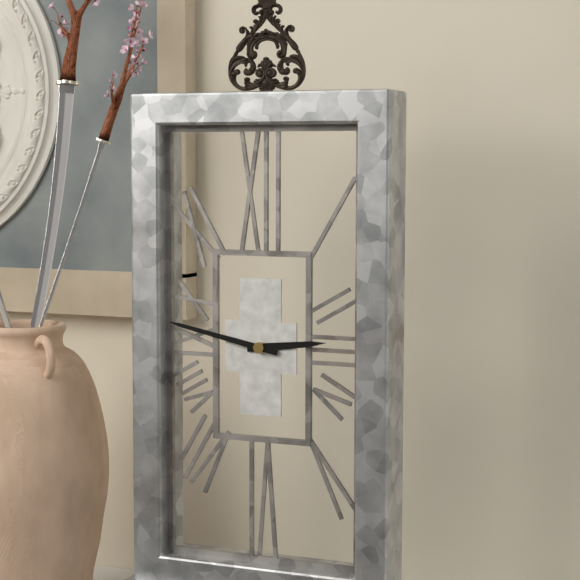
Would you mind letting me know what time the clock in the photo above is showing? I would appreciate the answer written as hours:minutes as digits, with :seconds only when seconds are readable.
2:47
